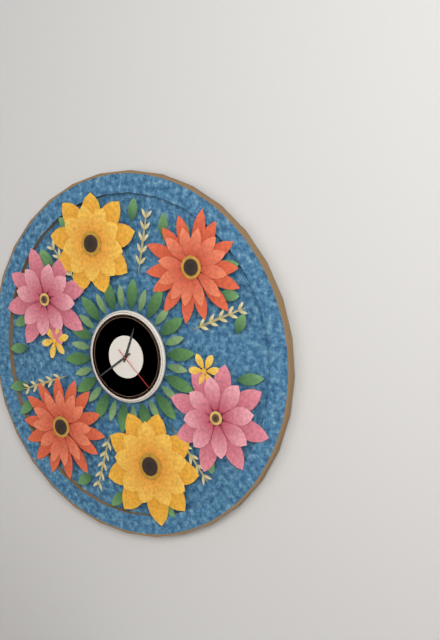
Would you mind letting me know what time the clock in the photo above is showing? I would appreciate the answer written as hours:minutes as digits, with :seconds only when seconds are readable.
12:39
